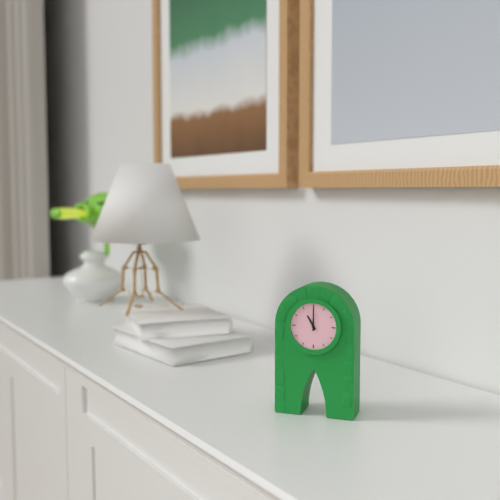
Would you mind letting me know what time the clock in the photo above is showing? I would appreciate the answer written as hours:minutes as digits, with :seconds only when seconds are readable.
11:00
